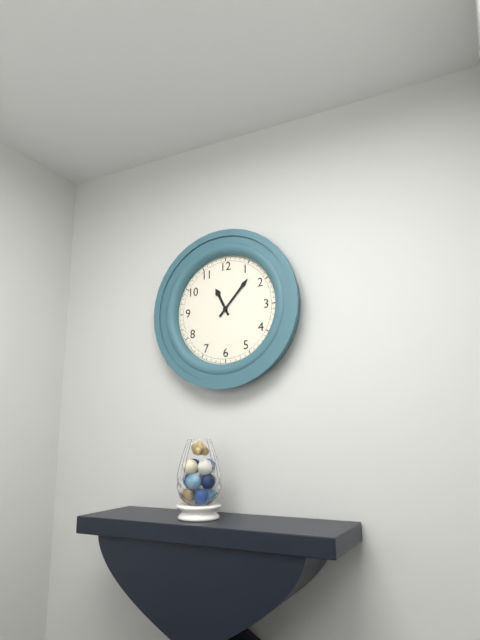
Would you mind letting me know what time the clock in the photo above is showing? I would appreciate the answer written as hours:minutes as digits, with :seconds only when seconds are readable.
11:07
